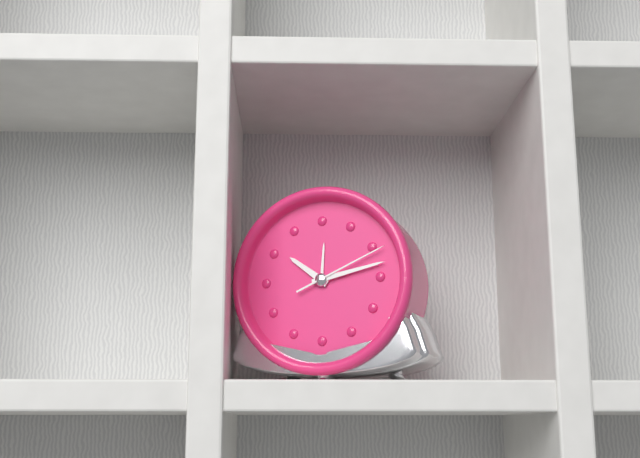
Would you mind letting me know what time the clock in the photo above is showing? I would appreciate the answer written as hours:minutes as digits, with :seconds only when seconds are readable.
10:13:11
